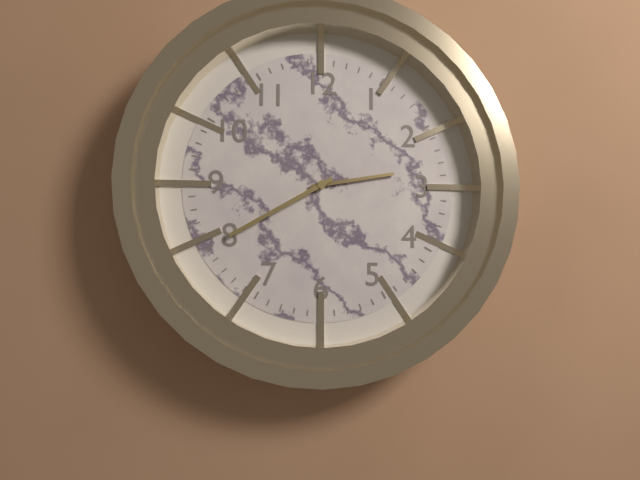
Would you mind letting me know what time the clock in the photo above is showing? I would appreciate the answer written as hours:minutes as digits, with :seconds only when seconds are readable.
2:40
